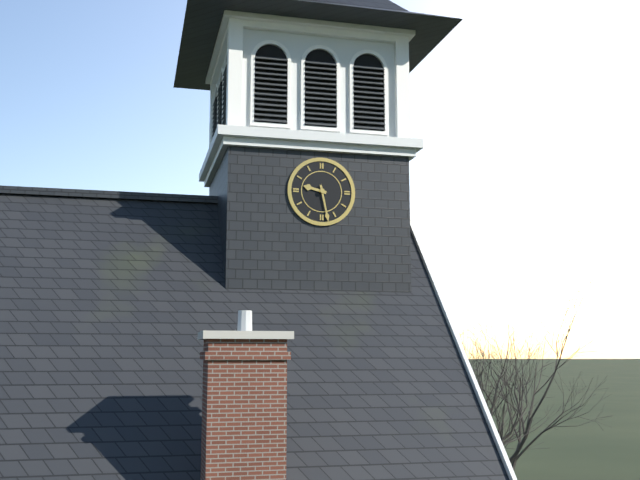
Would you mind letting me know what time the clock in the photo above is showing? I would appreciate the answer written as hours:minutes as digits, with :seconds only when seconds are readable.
9:28
